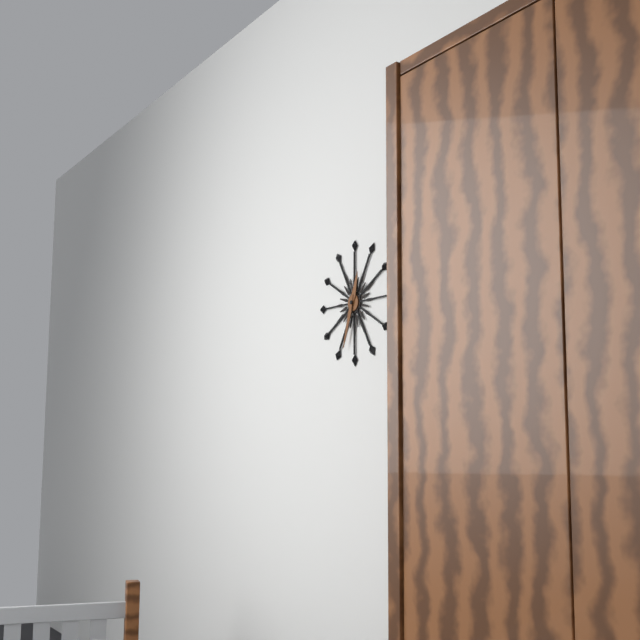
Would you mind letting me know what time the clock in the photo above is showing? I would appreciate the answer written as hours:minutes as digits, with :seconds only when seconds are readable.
12:33
